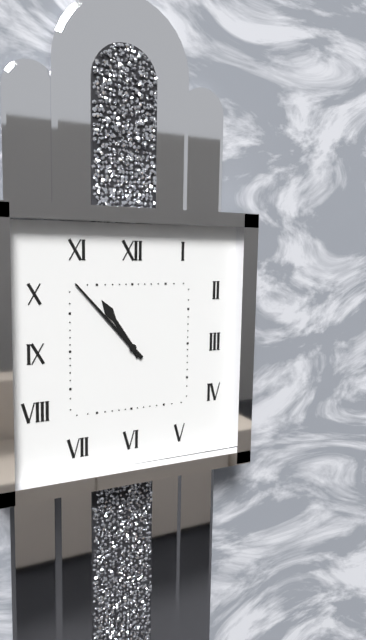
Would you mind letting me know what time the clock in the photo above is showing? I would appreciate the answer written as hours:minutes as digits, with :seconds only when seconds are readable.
10:53
